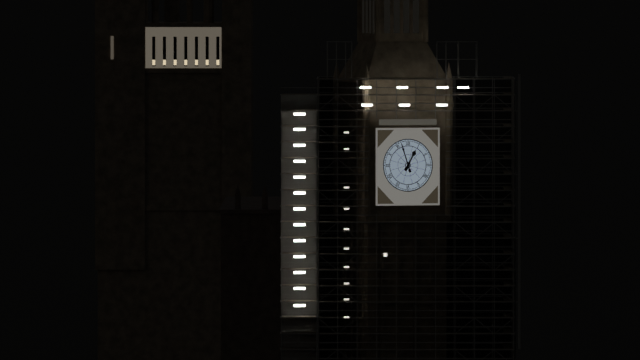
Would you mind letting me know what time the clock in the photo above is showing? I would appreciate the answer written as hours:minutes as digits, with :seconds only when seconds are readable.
12:57
